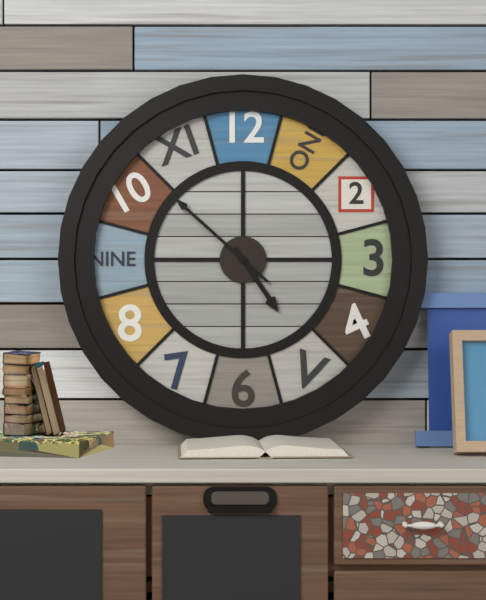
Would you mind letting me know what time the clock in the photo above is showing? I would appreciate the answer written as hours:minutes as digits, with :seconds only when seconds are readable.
4:52
